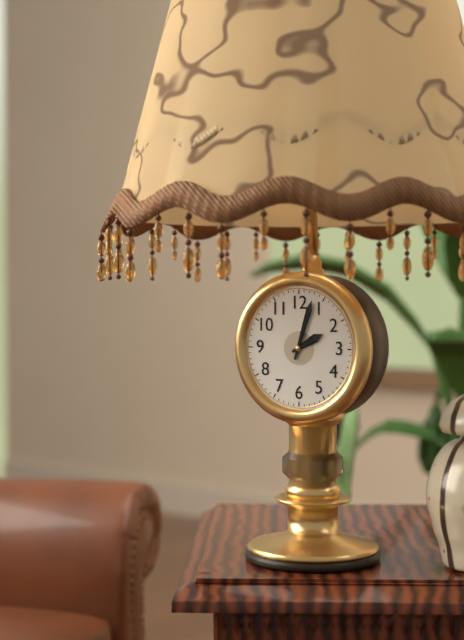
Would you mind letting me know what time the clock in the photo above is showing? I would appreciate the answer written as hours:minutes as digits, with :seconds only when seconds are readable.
2:03
